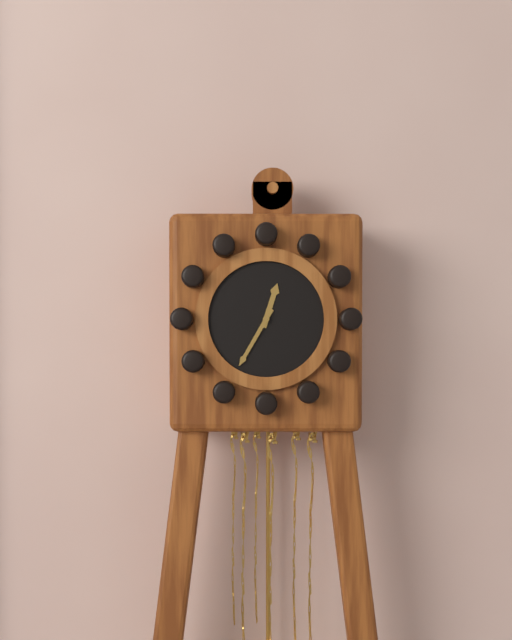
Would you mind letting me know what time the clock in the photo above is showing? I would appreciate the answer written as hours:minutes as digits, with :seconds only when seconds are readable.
12:35
